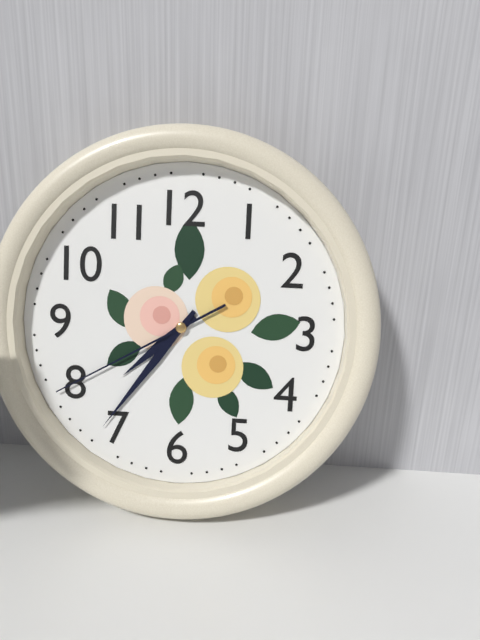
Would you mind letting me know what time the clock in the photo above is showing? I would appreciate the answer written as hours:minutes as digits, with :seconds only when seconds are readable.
7:36:40
